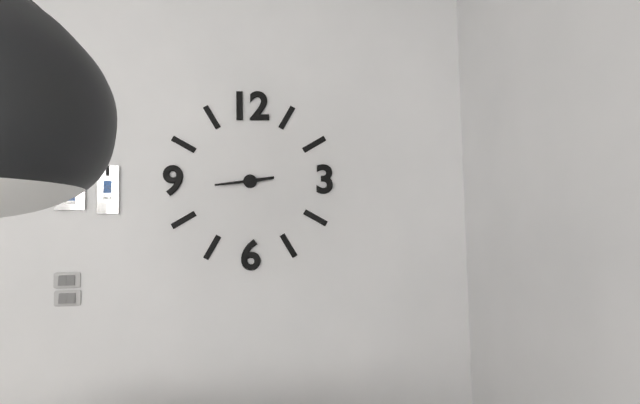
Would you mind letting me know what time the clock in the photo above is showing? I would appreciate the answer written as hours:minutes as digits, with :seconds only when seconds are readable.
2:44
